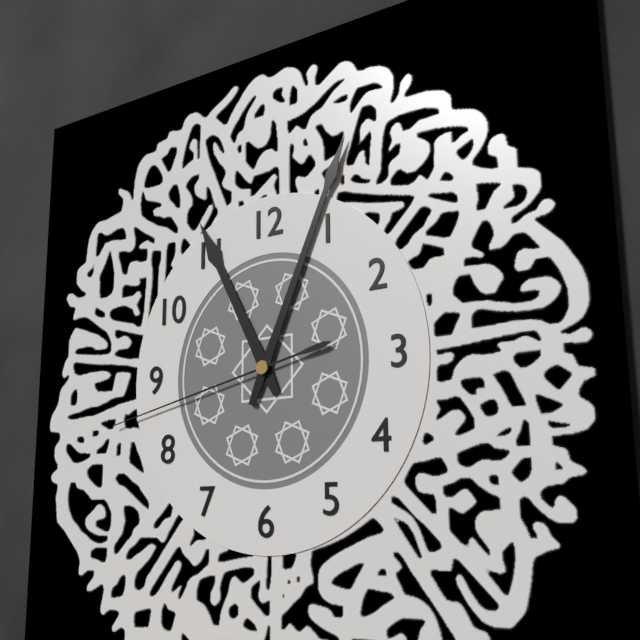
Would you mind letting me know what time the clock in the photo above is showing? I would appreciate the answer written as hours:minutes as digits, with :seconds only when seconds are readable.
11:04:43
